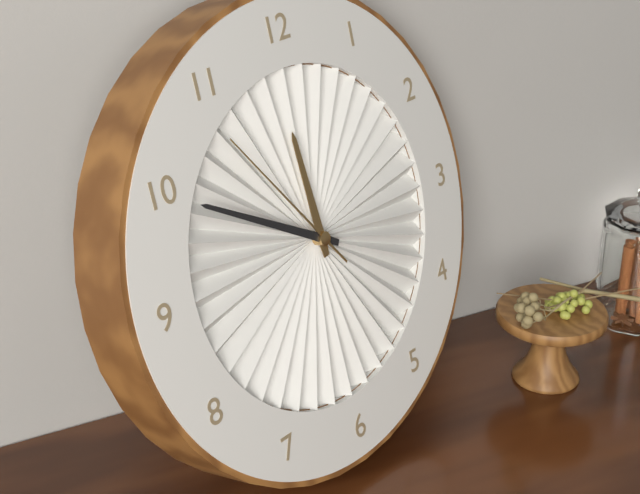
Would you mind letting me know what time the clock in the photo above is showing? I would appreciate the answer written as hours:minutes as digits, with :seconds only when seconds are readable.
11:50:54
